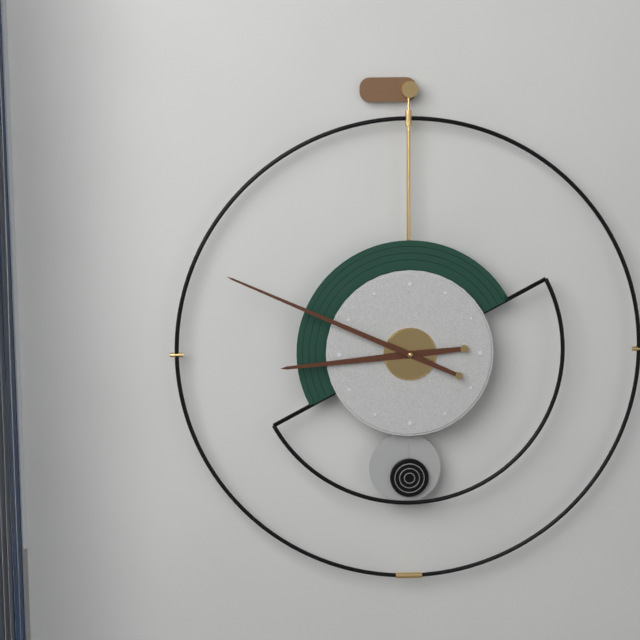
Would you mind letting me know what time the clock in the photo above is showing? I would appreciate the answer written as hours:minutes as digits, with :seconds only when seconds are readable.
8:49
